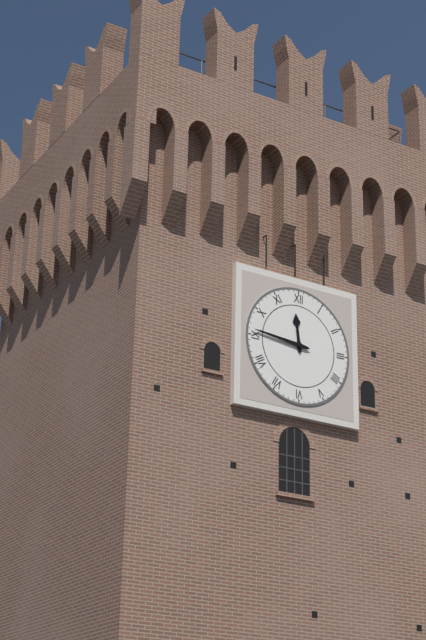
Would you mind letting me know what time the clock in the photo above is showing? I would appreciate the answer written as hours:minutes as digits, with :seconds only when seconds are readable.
11:46
